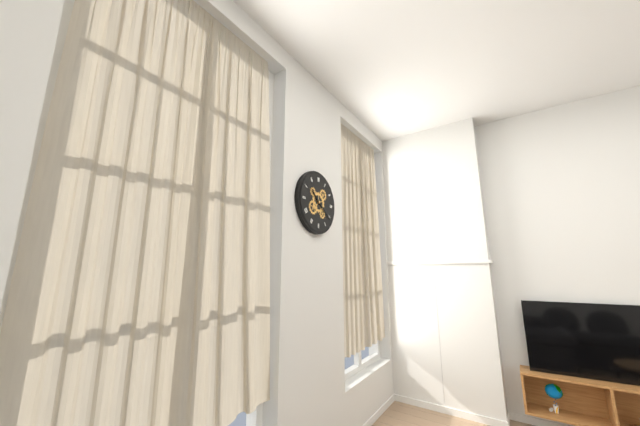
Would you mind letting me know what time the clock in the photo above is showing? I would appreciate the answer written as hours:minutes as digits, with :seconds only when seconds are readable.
10:21
